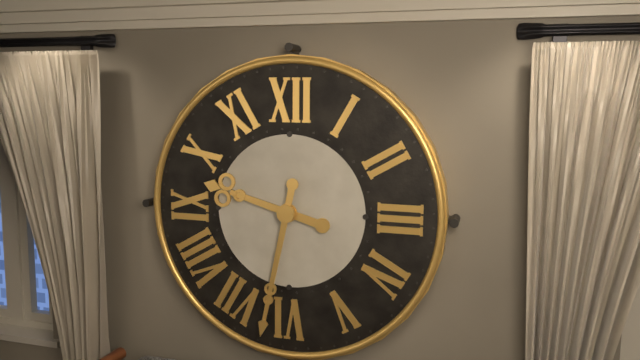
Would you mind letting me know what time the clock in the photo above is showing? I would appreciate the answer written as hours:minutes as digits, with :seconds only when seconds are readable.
9:32
